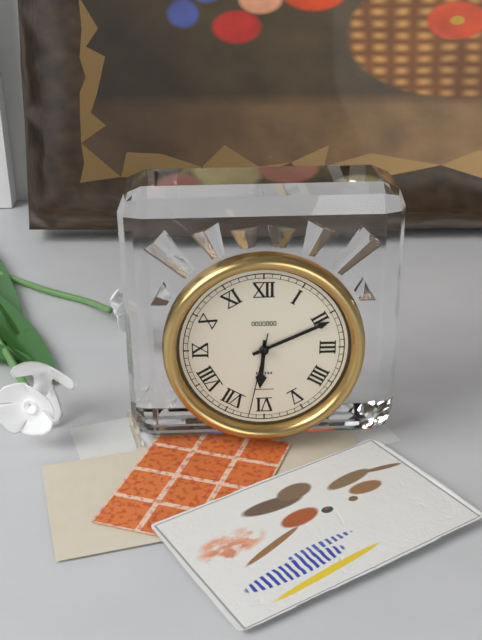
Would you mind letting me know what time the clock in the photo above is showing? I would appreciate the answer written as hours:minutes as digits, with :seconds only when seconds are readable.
6:11:32
